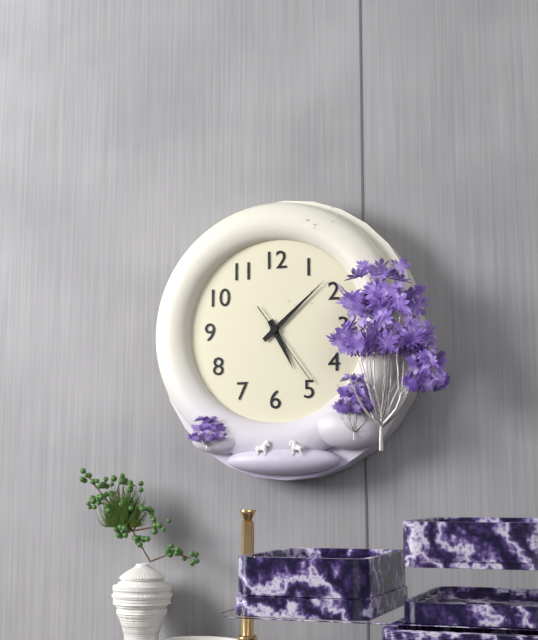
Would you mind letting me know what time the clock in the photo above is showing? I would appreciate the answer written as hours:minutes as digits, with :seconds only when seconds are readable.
5:08:24
